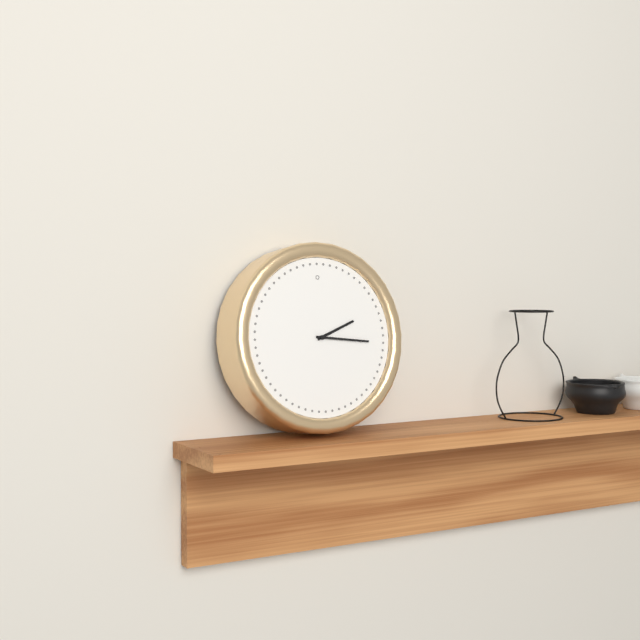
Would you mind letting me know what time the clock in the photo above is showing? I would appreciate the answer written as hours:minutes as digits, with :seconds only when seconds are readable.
2:16
